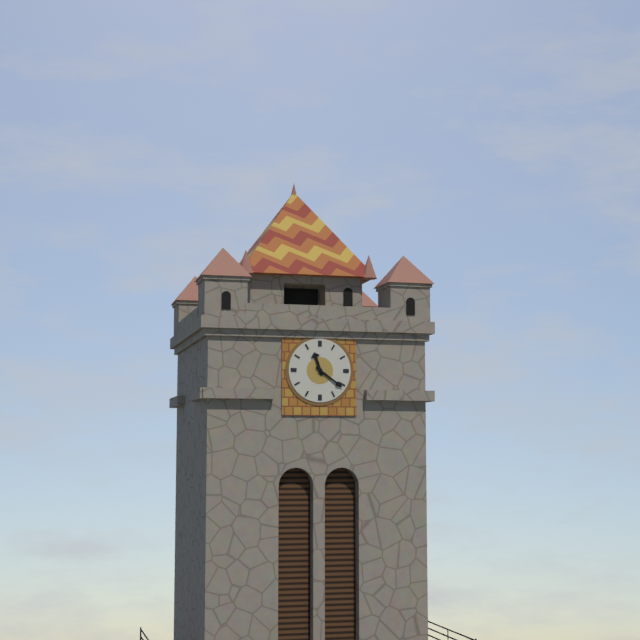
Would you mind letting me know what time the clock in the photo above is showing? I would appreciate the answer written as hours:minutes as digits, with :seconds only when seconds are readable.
11:21
